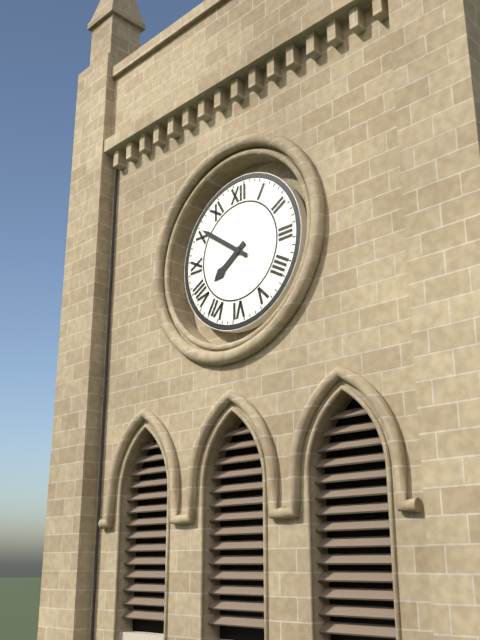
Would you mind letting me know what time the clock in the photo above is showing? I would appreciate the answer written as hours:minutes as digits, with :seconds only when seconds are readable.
7:51
